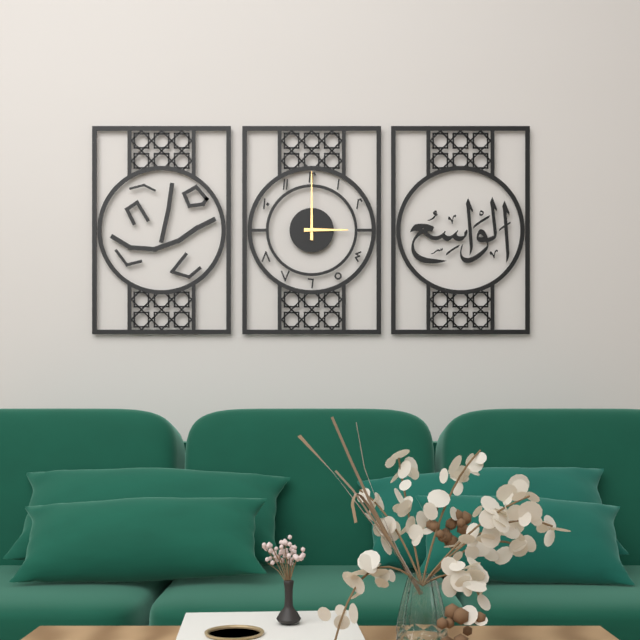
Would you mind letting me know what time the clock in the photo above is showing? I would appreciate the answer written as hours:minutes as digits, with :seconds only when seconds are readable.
3:00
